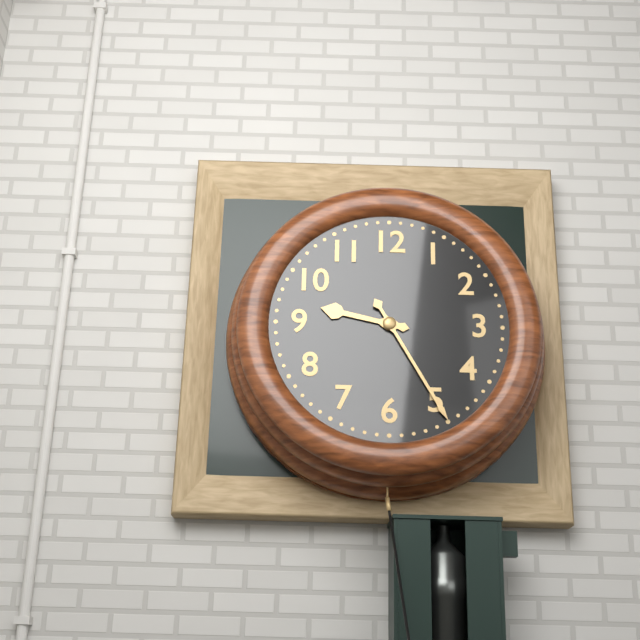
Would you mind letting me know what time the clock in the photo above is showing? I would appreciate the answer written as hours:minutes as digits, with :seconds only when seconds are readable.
9:25
